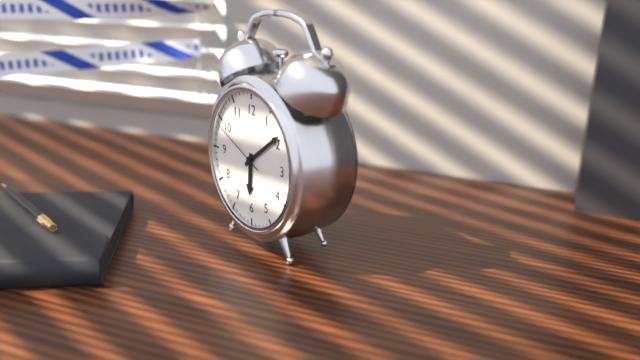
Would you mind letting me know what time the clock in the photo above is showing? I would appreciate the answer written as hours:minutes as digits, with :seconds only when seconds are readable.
6:09:49
